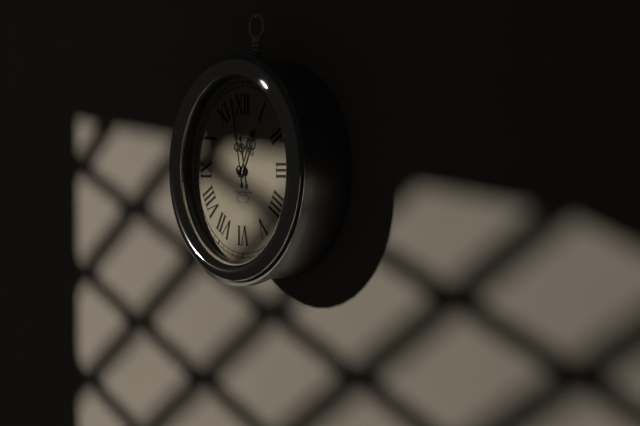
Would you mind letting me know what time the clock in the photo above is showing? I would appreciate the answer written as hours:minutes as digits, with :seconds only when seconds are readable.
12:58
